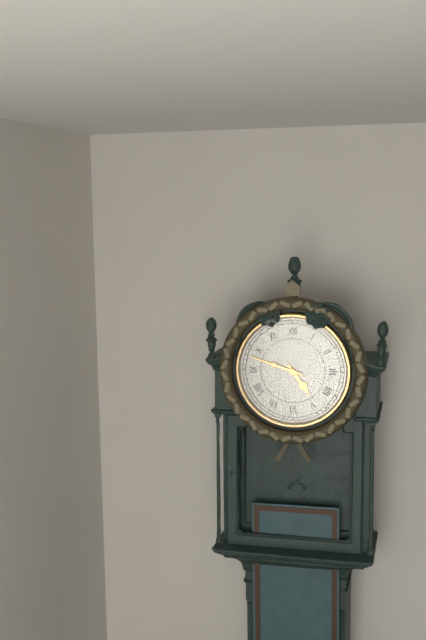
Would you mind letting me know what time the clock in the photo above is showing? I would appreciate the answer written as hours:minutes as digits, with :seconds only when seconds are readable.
4:48
